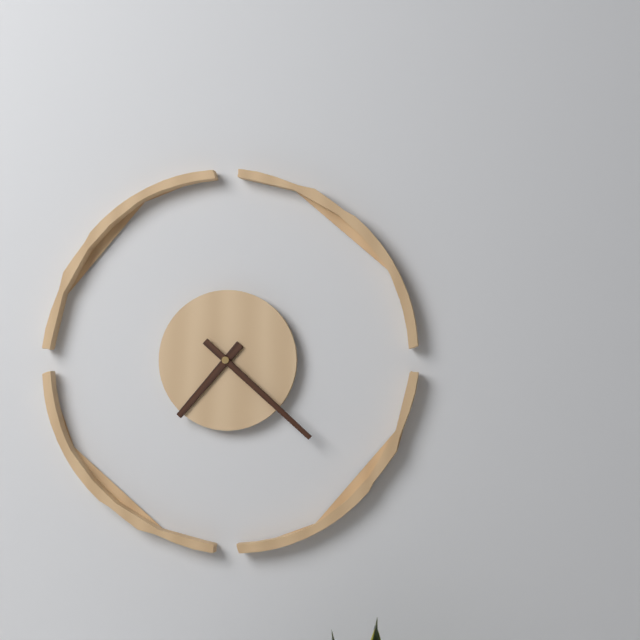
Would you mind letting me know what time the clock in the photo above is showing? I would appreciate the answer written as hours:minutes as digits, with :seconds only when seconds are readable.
7:22
